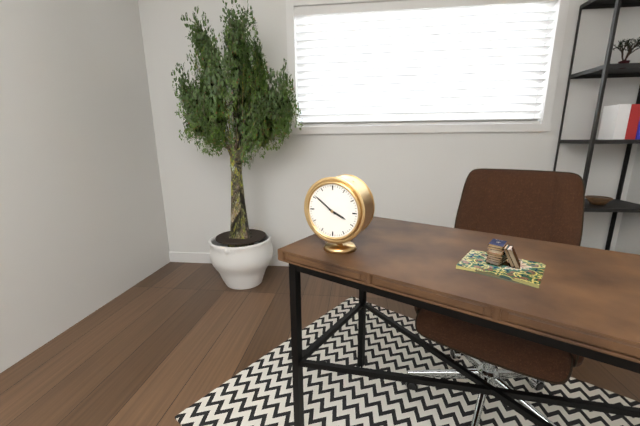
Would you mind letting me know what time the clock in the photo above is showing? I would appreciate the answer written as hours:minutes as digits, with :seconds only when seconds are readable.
3:51
